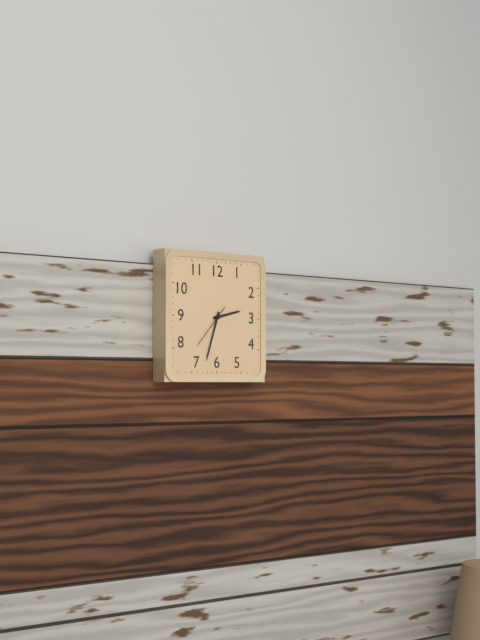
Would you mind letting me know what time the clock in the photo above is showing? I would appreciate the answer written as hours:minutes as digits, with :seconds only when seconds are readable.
2:33
